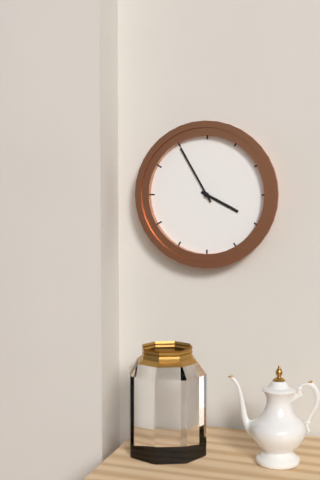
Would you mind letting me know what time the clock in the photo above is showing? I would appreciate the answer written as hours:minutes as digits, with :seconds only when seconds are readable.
3:55
